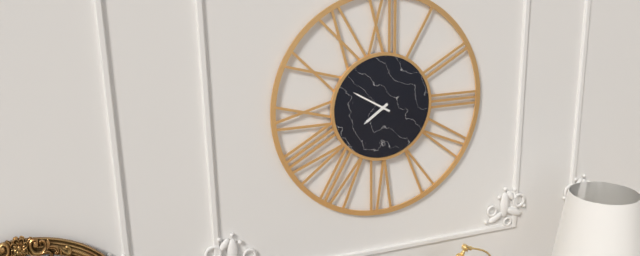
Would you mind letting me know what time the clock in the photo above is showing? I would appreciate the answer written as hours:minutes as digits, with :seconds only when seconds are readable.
7:50
